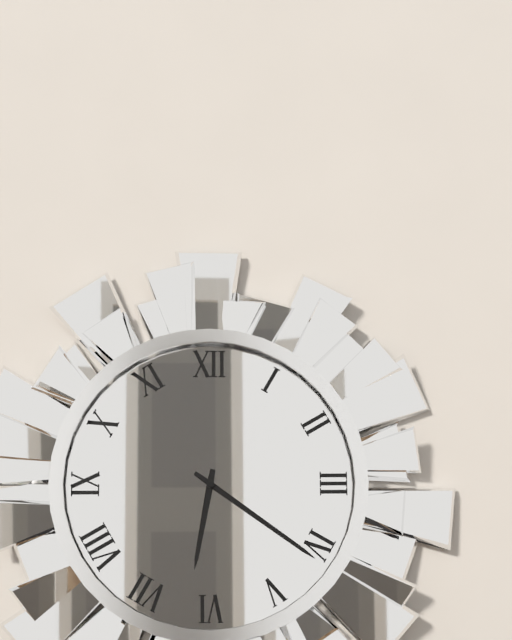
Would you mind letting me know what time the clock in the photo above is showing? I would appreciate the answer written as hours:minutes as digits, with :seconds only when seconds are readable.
6:21
